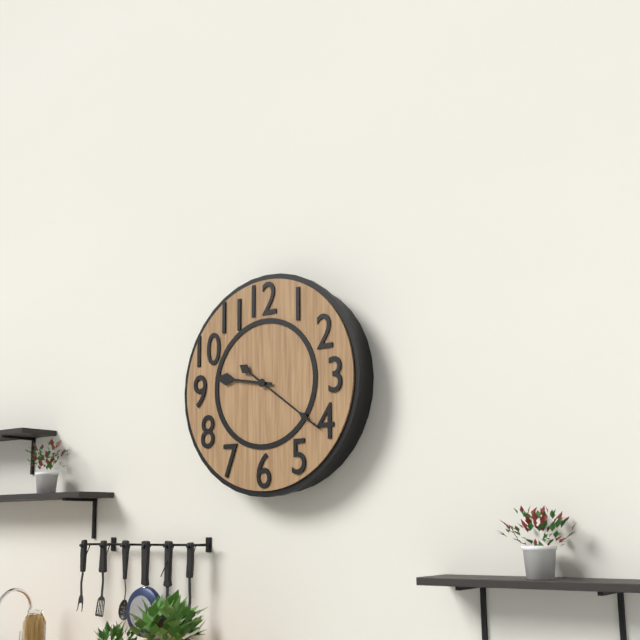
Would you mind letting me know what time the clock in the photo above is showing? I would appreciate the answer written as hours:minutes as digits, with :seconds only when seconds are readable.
9:21
